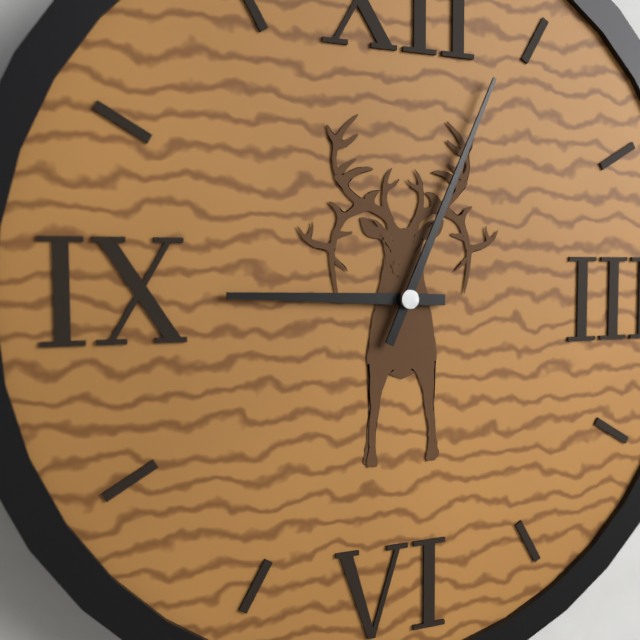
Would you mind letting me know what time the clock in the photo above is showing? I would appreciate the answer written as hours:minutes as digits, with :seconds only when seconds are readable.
9:04
